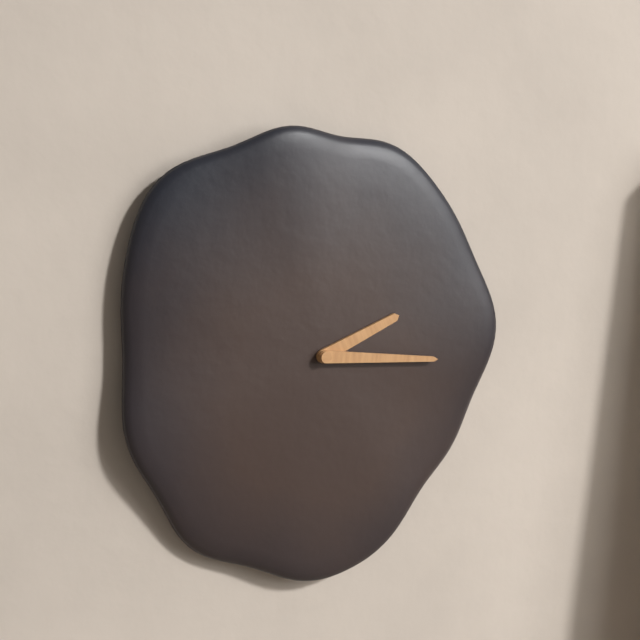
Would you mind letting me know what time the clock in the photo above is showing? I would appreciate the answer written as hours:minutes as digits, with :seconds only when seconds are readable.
2:16
